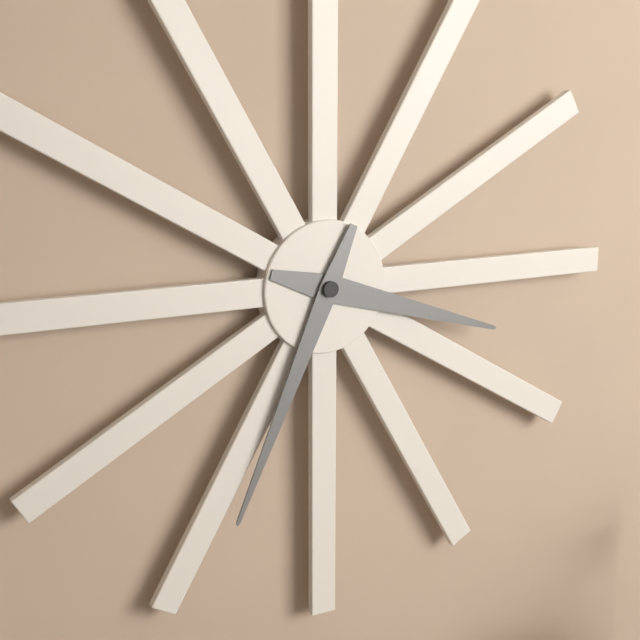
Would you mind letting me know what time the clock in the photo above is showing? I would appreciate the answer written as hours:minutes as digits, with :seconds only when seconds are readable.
3:34
